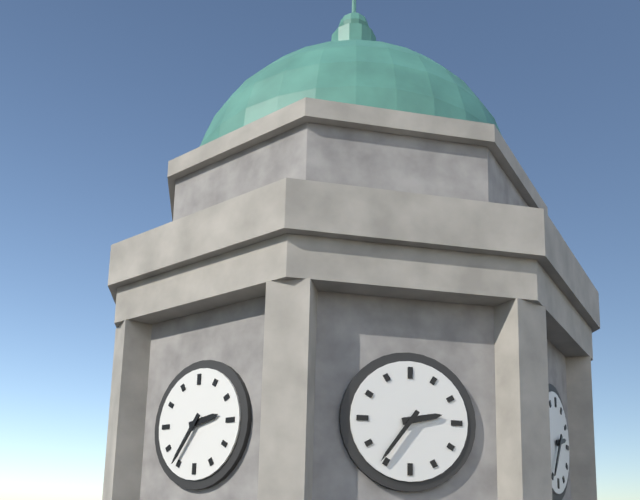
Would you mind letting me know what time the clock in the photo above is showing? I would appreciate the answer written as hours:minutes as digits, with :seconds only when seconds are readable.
2:36
